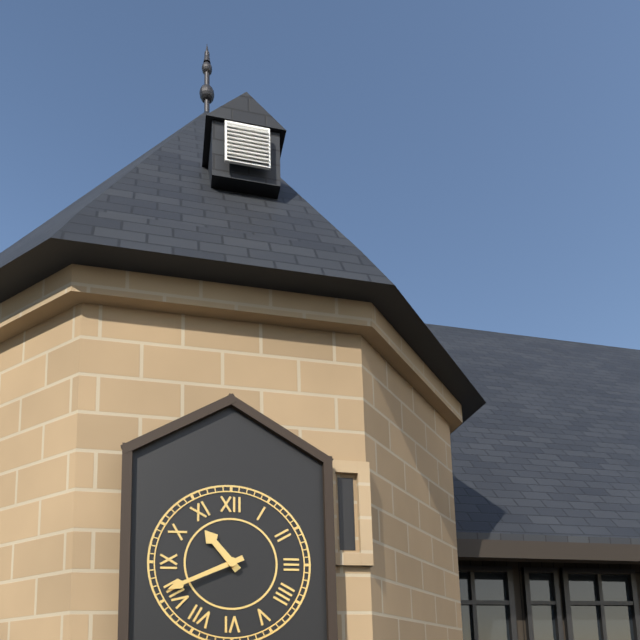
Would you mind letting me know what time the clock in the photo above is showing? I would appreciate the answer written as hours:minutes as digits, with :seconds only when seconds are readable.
10:41
